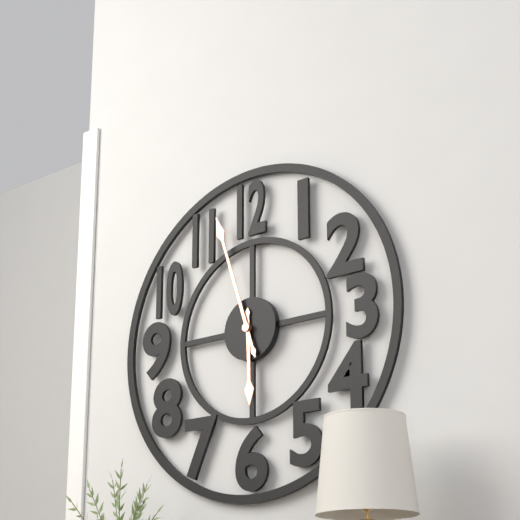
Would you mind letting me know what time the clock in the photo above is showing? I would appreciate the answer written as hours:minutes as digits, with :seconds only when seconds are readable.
5:57
